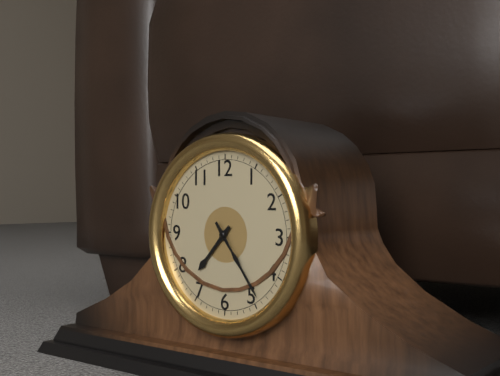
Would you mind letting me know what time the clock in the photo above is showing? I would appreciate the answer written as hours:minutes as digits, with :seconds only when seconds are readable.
7:24
